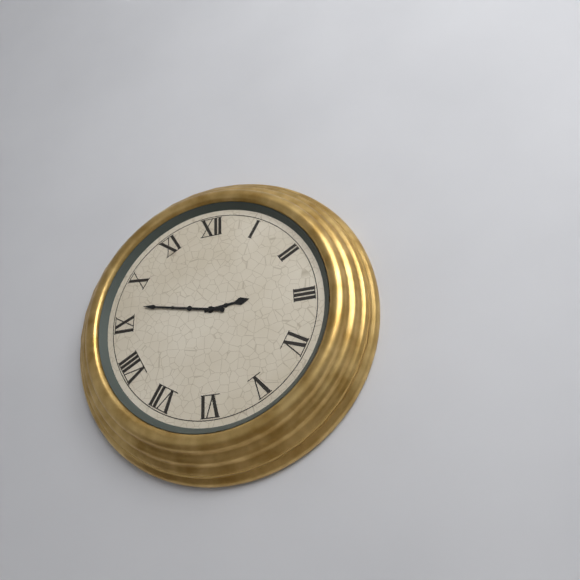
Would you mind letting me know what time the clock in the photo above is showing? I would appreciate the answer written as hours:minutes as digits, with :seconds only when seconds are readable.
2:47
